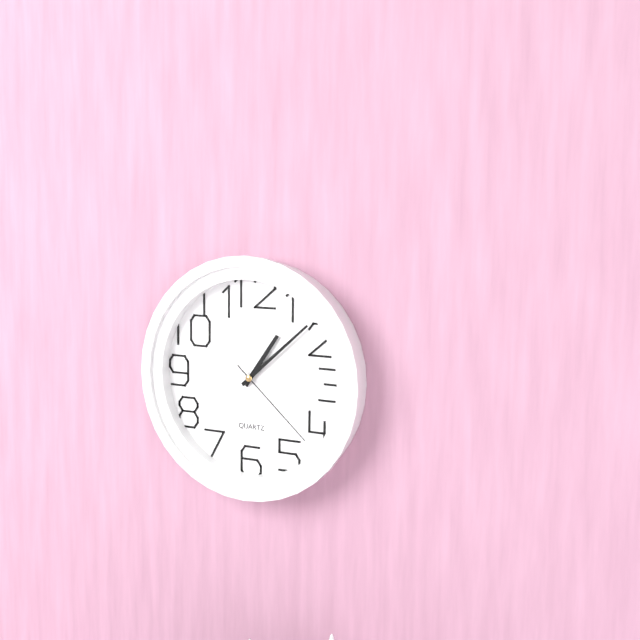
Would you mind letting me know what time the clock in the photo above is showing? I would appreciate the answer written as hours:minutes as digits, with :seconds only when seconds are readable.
1:08:22
